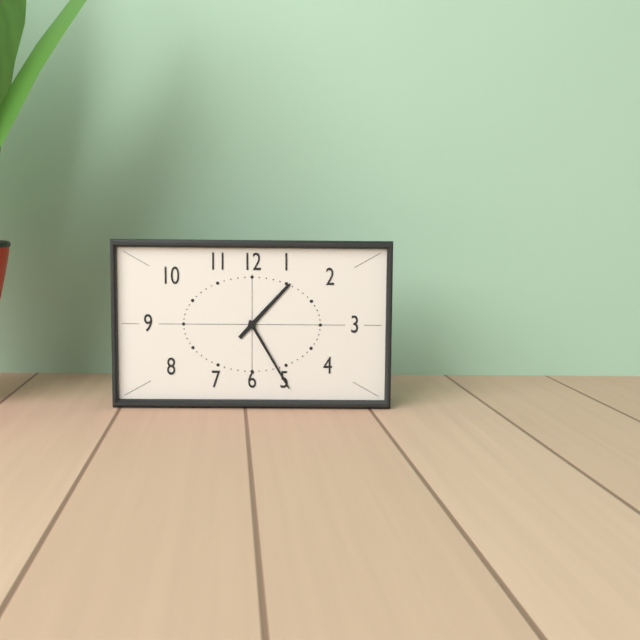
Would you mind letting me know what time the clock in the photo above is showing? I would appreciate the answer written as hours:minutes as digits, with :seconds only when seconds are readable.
1:25
